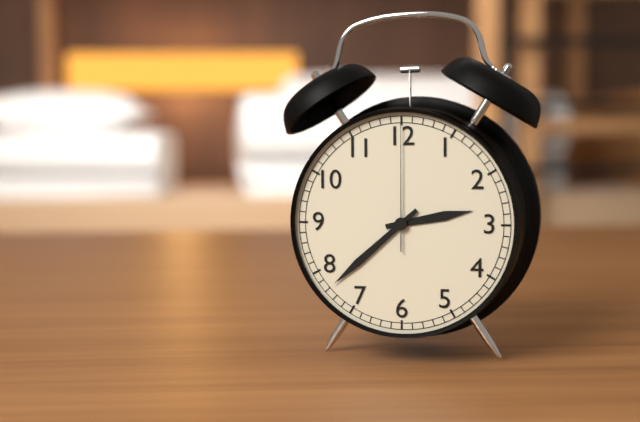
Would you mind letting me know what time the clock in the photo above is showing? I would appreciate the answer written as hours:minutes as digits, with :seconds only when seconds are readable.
2:38:00
